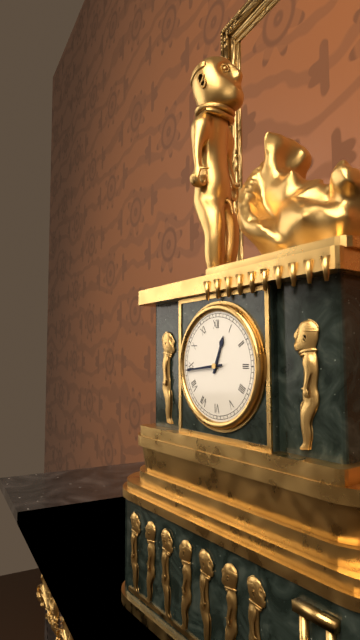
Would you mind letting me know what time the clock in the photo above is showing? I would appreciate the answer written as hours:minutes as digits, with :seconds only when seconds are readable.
12:44
